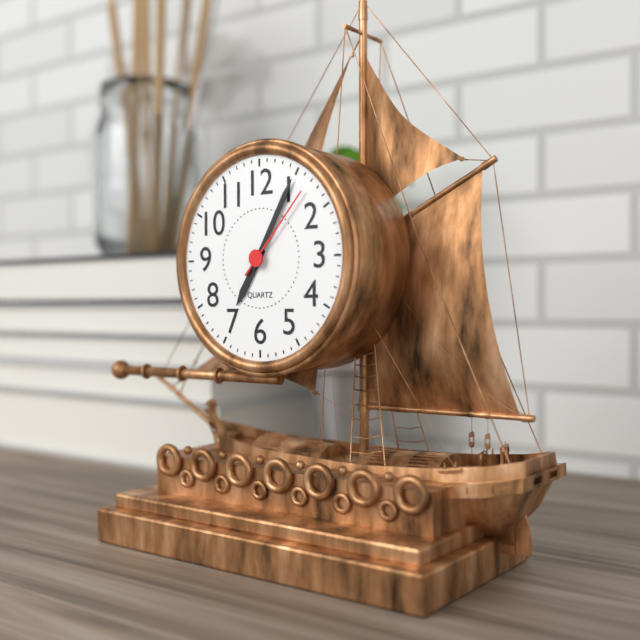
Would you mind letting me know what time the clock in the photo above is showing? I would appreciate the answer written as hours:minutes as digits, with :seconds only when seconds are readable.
7:05:07
